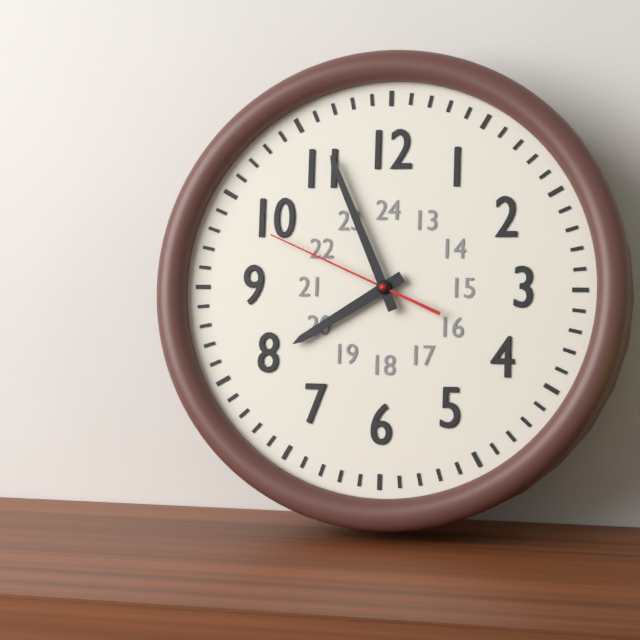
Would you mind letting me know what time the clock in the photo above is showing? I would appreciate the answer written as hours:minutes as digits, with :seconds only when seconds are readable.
7:56:49
